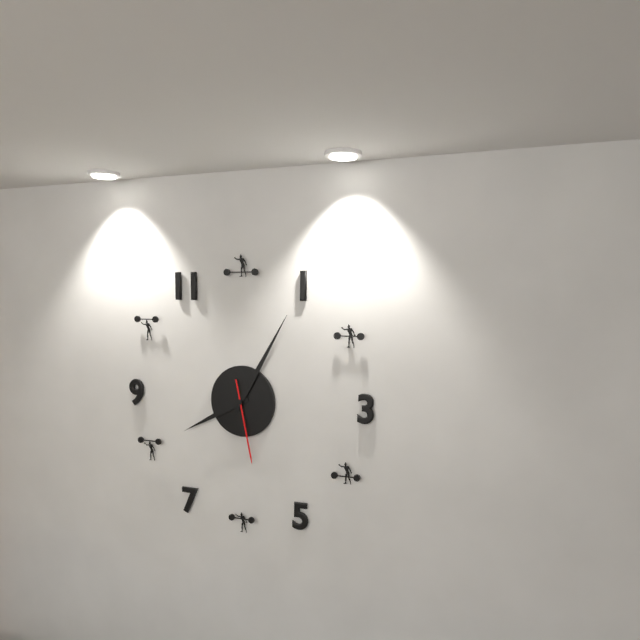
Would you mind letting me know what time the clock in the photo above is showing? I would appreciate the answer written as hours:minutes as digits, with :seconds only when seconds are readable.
8:05:28
